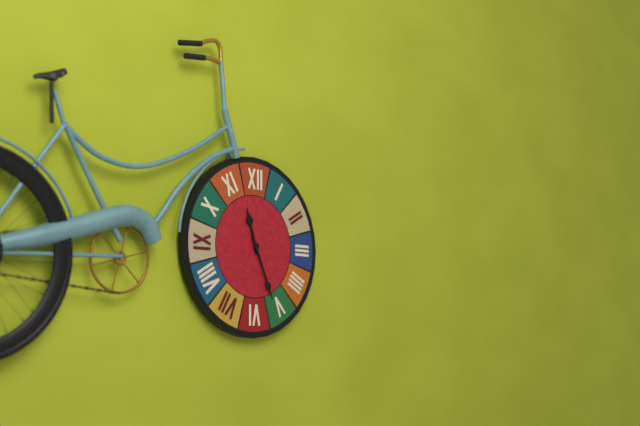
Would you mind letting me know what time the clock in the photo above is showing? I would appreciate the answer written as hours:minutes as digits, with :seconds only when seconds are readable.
11:26
